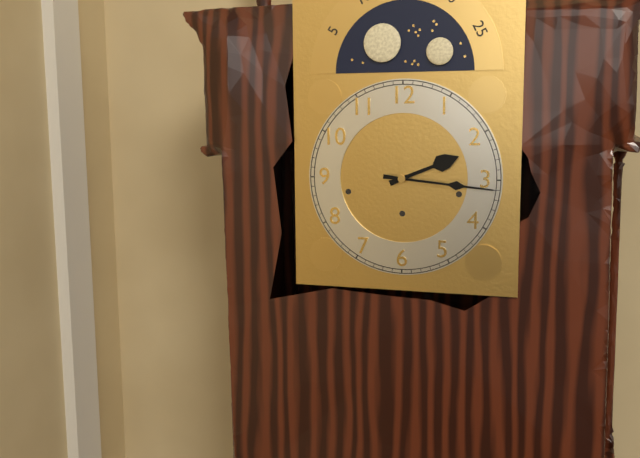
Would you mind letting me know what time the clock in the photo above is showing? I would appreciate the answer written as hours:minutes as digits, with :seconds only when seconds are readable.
2:16
